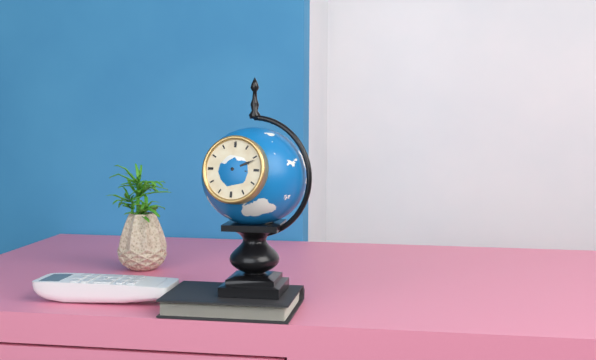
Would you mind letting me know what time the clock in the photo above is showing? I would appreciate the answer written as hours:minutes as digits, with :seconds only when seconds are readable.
3:11
